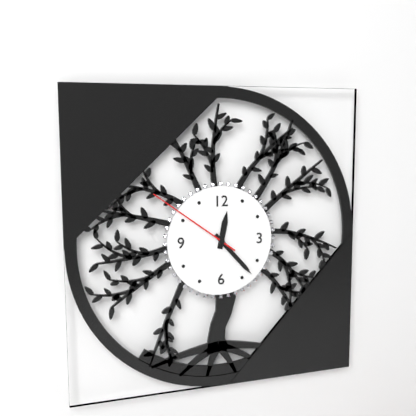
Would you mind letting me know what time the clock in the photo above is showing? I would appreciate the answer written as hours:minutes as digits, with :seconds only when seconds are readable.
12:23:51
